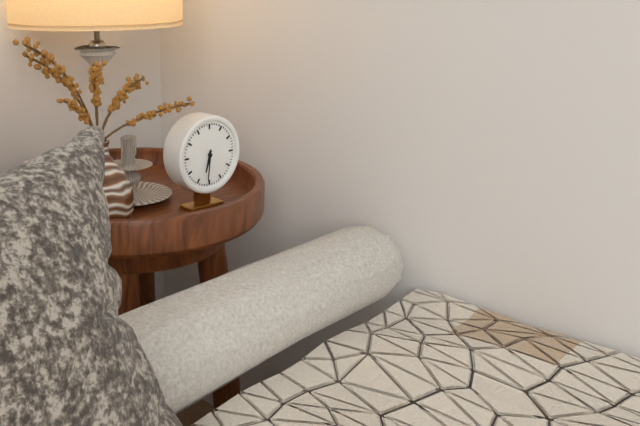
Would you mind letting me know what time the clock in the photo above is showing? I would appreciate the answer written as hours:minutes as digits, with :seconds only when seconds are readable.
6:31
